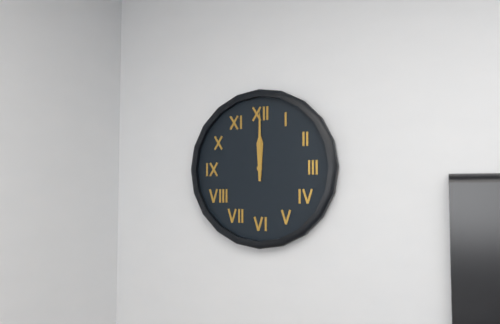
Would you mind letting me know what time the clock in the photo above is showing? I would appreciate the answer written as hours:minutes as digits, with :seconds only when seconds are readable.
12:00
